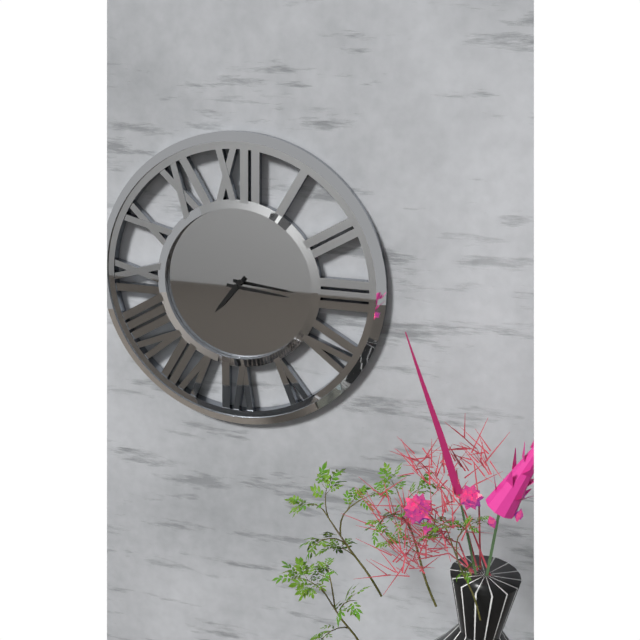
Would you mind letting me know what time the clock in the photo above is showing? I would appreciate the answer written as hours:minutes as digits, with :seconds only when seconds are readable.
7:16
